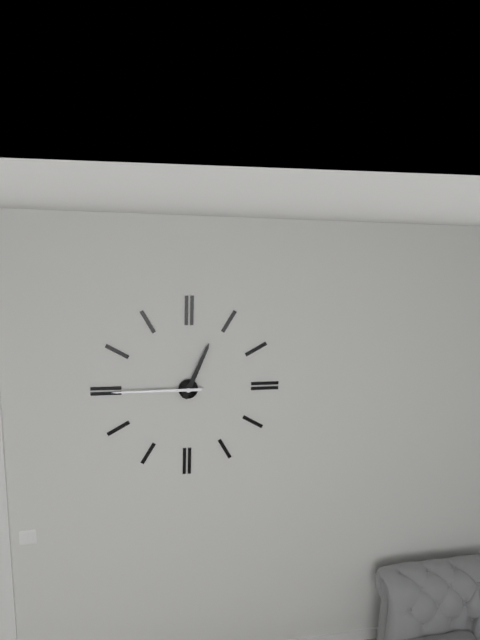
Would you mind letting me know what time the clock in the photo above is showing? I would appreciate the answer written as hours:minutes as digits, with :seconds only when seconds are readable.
12:45
